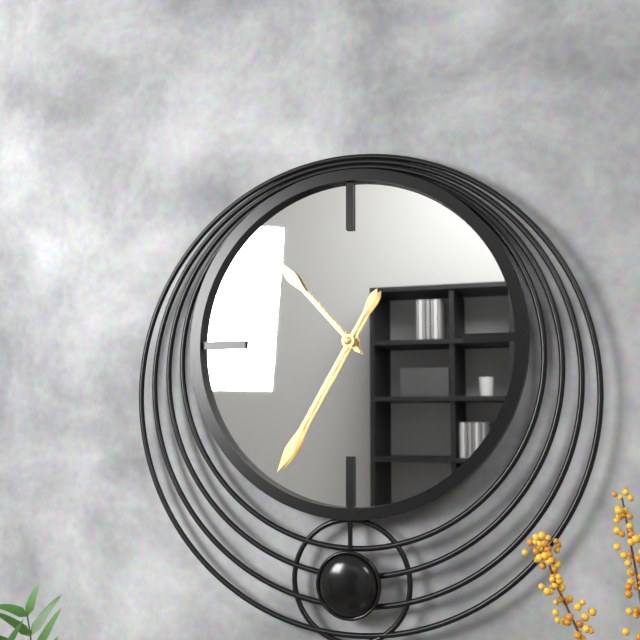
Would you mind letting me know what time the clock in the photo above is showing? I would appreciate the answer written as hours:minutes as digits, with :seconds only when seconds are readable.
10:35
